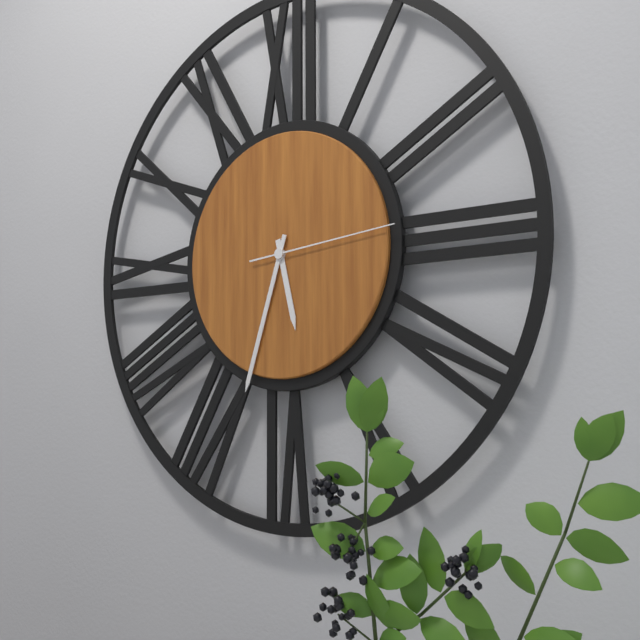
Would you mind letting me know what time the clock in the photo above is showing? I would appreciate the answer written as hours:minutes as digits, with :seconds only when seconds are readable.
5:33:14
